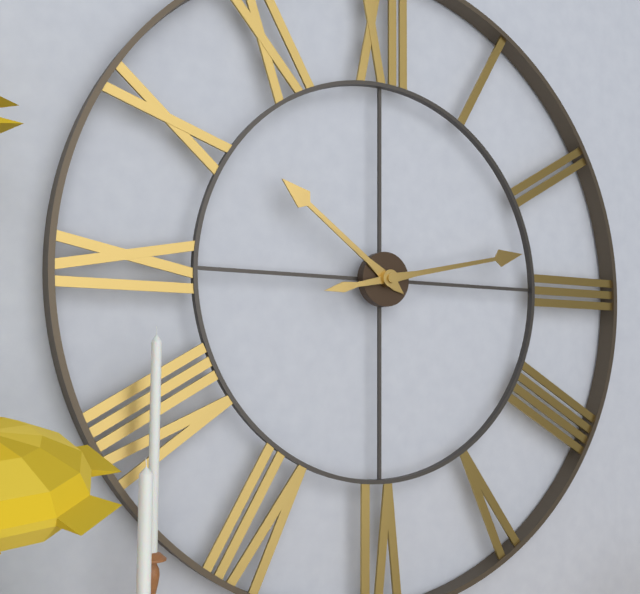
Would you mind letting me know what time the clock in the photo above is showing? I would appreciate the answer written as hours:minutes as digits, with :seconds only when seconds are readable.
10:13
